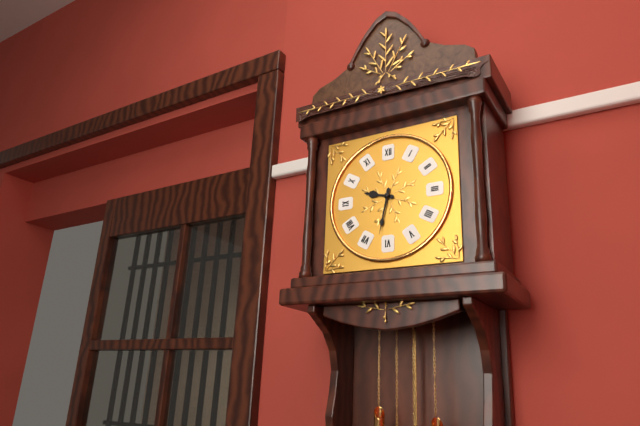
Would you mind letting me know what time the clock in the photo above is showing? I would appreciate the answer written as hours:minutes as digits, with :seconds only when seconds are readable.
9:32
